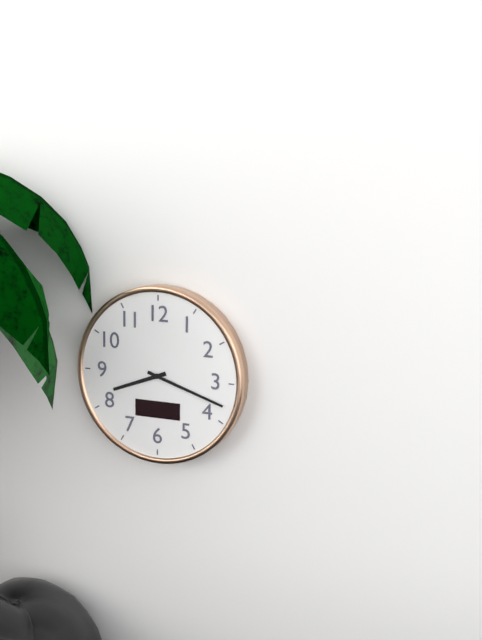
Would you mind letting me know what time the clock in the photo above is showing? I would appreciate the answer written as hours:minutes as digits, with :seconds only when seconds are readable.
8:18
